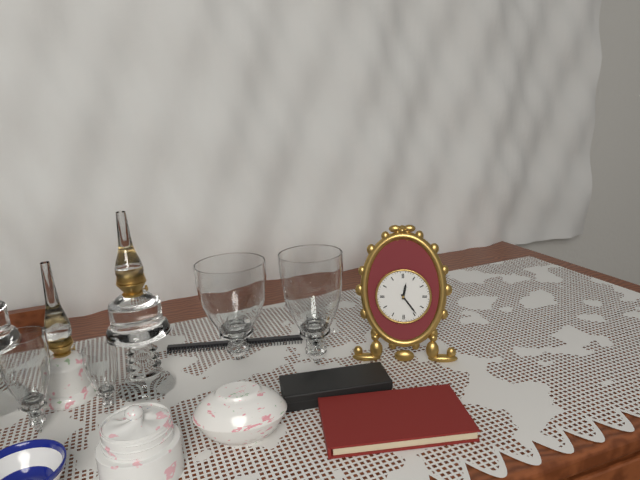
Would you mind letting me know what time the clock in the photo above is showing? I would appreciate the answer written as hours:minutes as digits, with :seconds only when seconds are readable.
12:24
